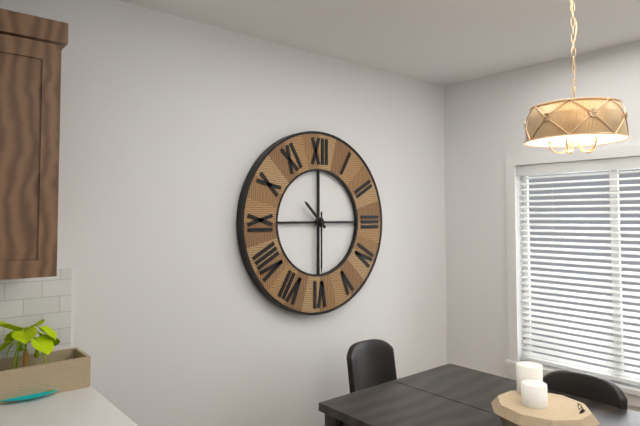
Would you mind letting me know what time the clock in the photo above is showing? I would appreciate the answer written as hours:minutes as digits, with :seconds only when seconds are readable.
10:30
